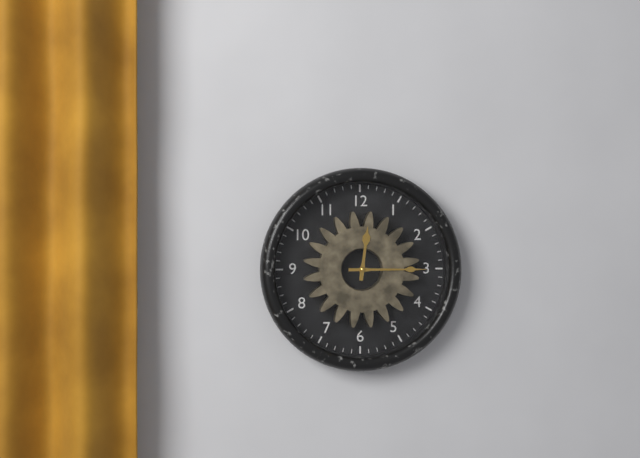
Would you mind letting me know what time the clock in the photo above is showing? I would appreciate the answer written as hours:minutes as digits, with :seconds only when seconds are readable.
12:15
